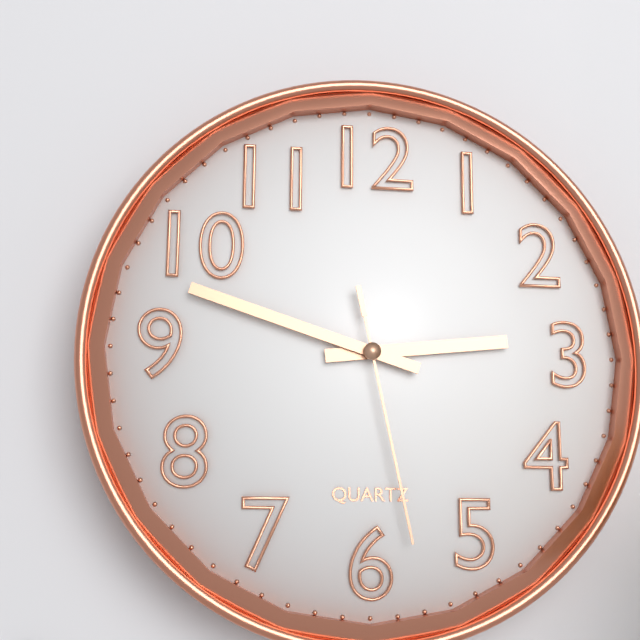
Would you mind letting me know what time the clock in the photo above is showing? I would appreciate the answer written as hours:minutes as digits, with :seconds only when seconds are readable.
2:48:28
